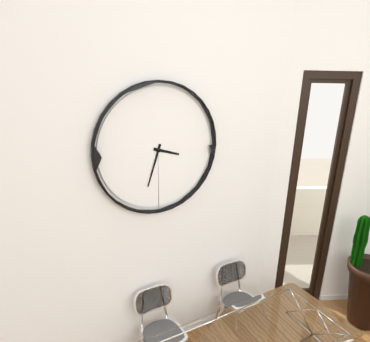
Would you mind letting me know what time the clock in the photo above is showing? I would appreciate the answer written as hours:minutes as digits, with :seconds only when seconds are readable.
3:33
